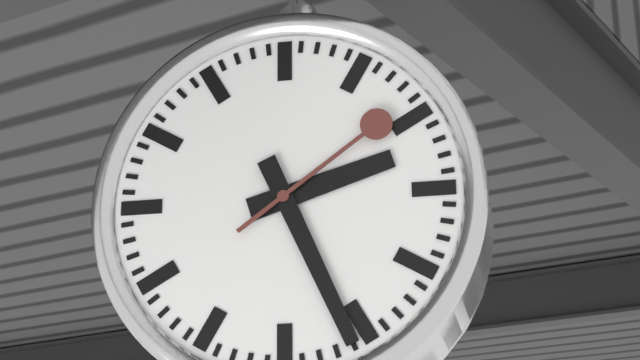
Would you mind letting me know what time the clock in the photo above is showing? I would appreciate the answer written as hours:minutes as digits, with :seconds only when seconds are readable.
2:26:09
